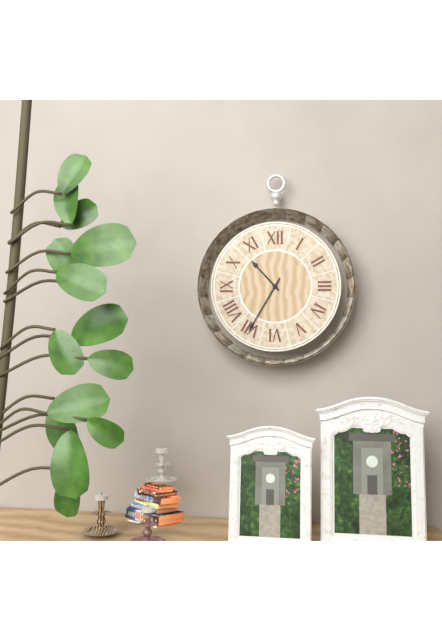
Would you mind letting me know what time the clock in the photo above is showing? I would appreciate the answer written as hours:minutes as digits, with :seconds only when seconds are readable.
10:35
